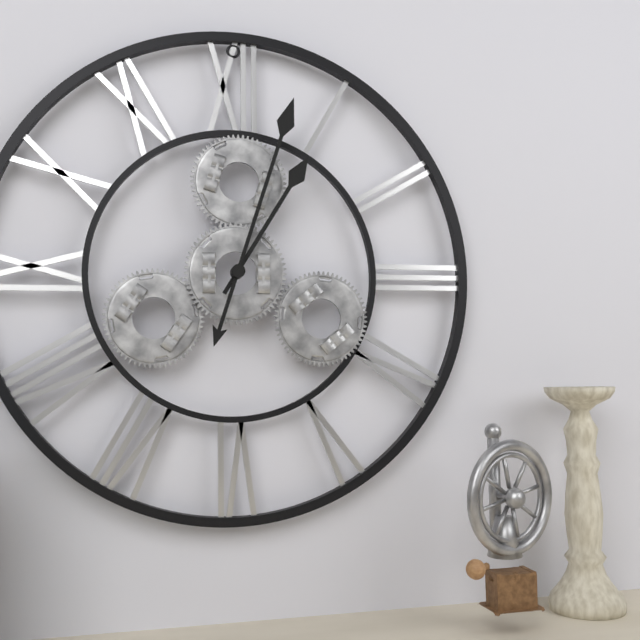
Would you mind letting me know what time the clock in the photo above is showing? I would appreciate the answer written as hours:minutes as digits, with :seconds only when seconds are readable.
1:03
